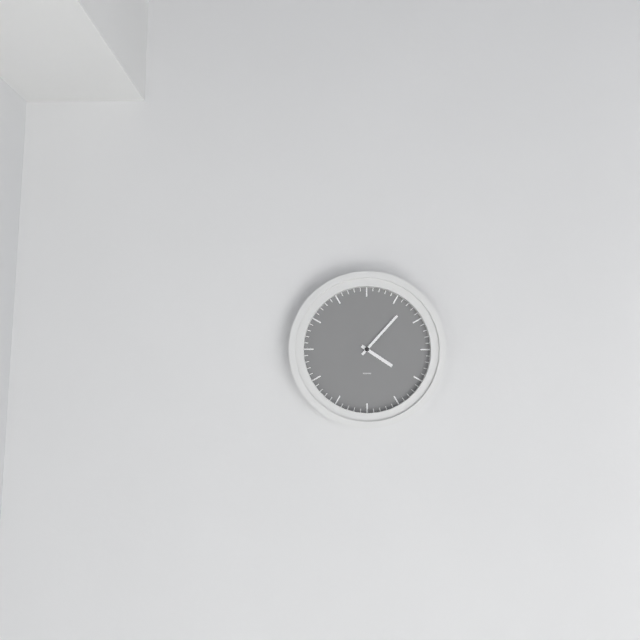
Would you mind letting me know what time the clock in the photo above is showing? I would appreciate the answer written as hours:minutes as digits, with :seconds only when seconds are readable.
4:07
